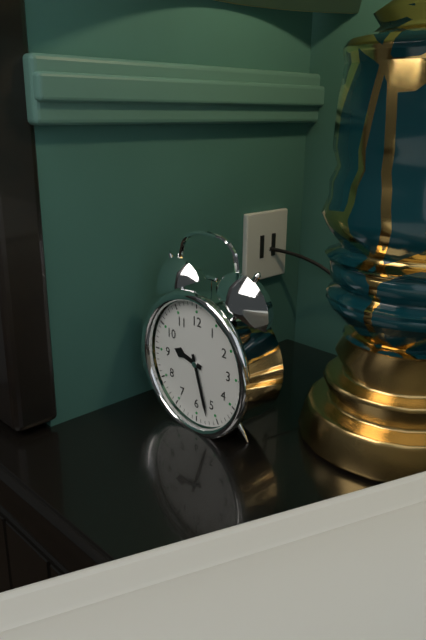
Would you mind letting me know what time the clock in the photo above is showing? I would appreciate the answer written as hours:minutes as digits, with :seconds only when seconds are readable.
9:27
